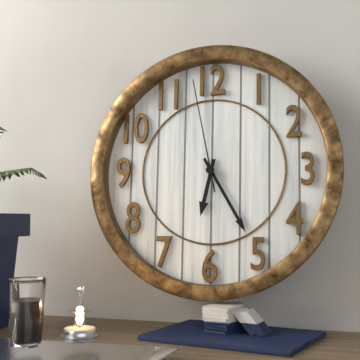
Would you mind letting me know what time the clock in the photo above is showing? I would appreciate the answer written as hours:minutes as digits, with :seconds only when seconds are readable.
6:25:58
